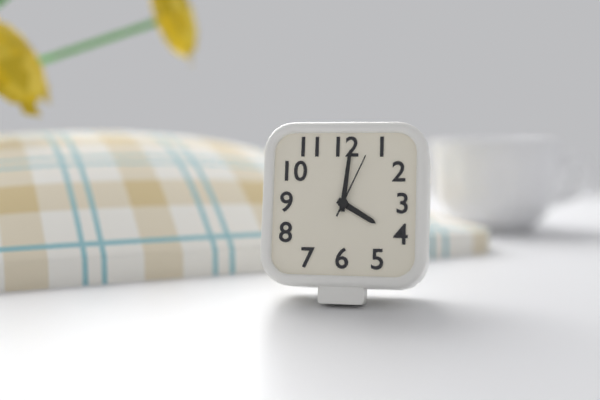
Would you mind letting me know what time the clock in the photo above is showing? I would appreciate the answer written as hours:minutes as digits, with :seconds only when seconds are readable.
4:01:04
